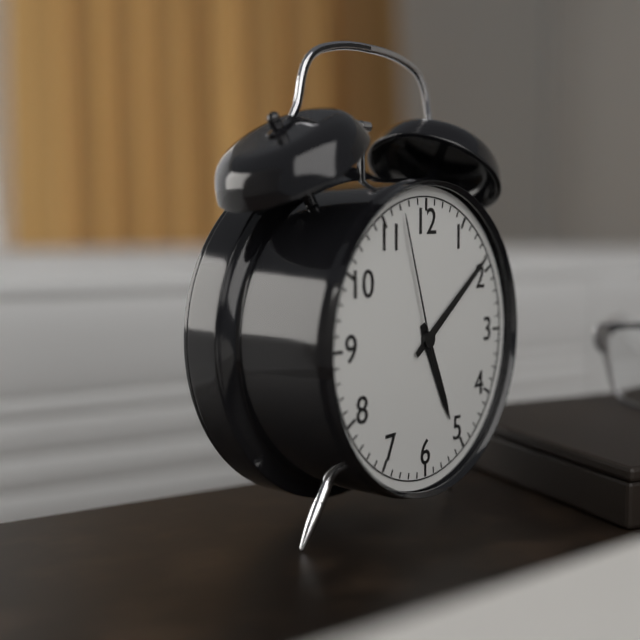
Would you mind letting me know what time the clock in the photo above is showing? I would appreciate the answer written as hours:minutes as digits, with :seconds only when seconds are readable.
5:09:57
